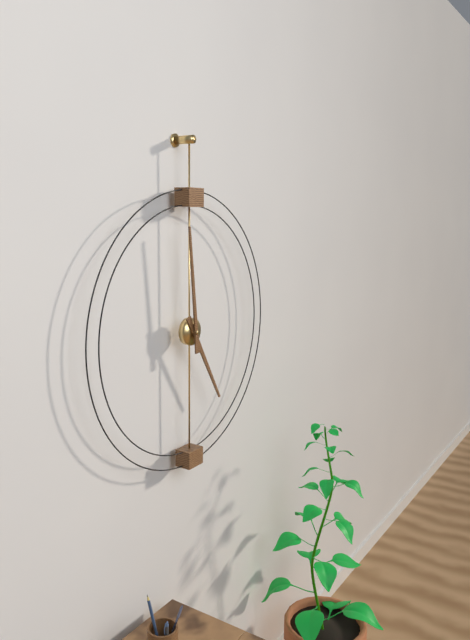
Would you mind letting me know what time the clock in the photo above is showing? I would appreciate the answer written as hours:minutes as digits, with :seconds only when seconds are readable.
4:59
